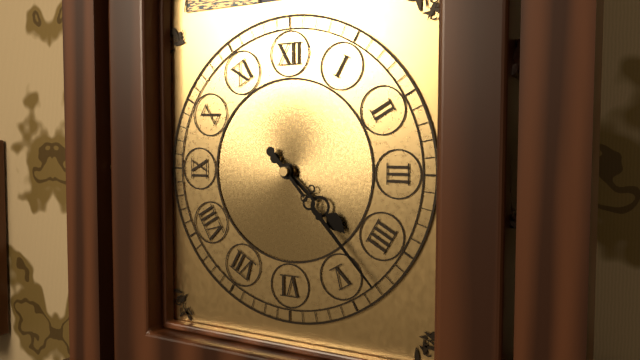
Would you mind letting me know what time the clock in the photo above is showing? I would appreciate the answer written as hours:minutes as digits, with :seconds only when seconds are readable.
4:23
